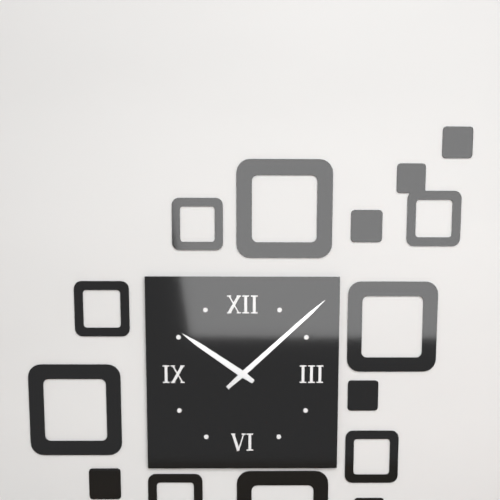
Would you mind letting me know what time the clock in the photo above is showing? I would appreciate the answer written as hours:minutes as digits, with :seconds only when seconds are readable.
10:08
